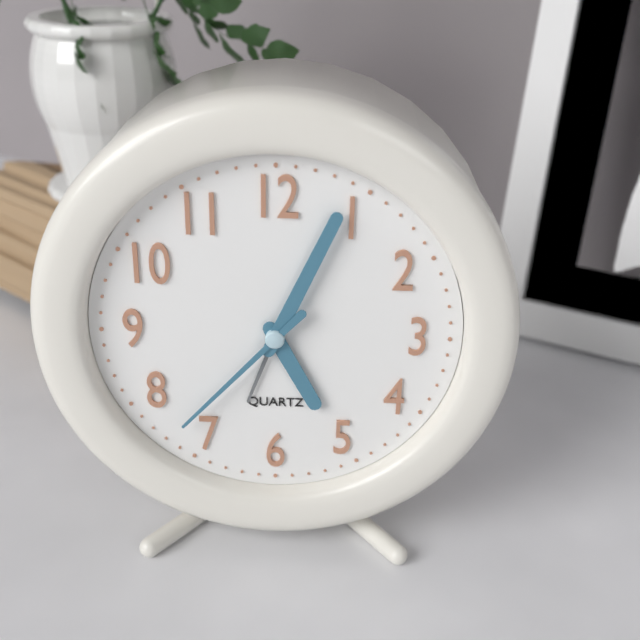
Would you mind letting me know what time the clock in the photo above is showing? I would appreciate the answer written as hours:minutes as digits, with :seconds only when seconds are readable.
5:04:37
